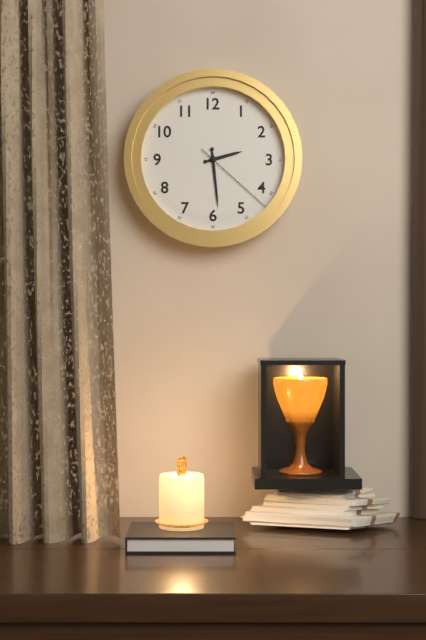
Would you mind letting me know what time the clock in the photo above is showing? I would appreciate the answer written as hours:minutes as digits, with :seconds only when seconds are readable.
2:29:22
